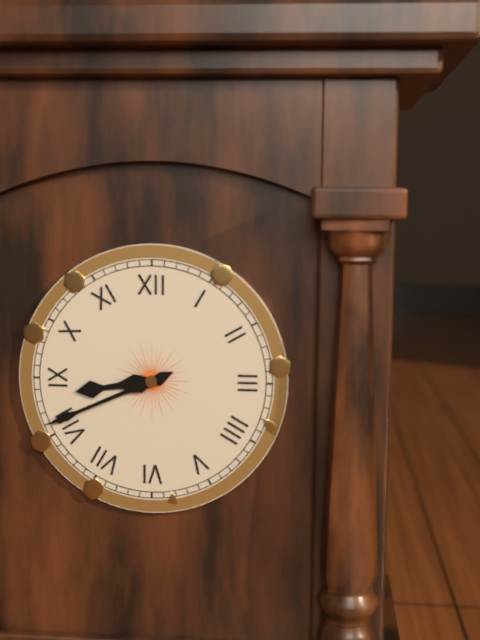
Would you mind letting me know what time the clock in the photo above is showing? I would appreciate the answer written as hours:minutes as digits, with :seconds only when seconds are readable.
8:41
